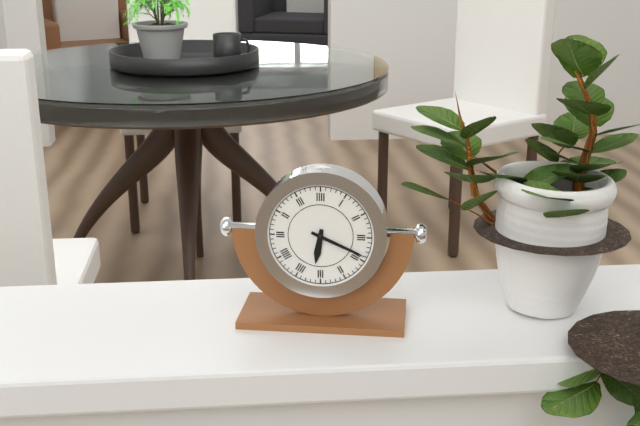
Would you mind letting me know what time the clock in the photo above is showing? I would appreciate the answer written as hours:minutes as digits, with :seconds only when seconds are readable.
6:19
